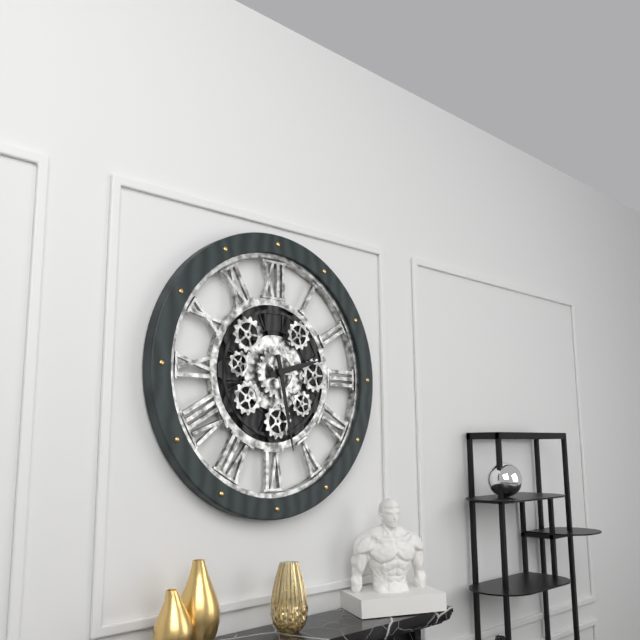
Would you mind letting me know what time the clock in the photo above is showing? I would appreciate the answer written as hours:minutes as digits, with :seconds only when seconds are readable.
2:28
